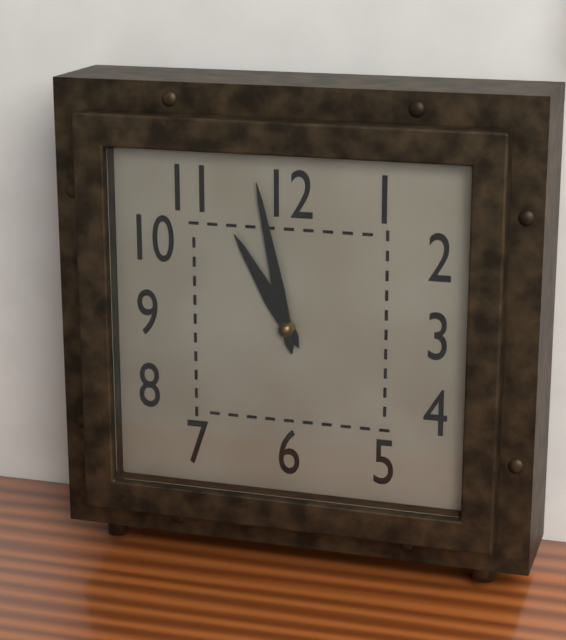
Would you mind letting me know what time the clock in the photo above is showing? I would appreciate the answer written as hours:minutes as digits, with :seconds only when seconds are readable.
10:58
